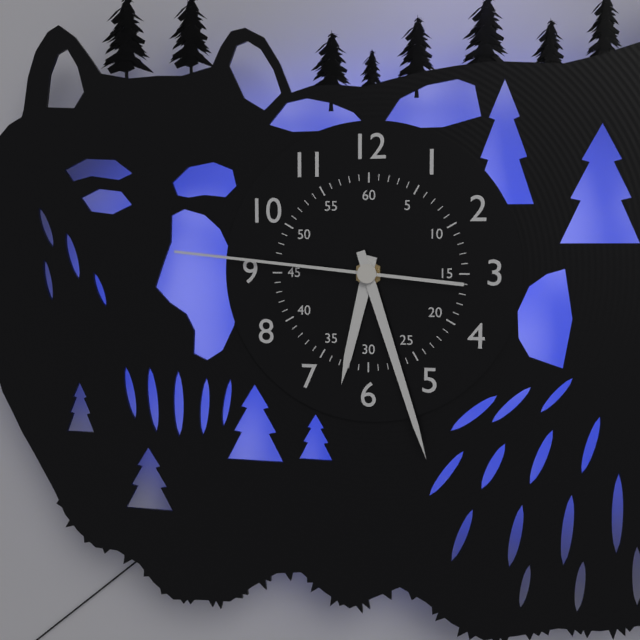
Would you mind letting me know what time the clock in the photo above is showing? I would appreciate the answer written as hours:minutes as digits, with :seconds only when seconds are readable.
6:27:46
